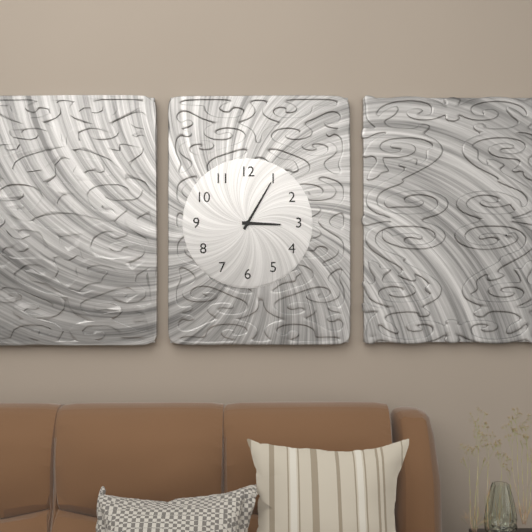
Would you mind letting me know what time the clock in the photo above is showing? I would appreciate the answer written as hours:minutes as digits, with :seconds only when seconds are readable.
3:05
